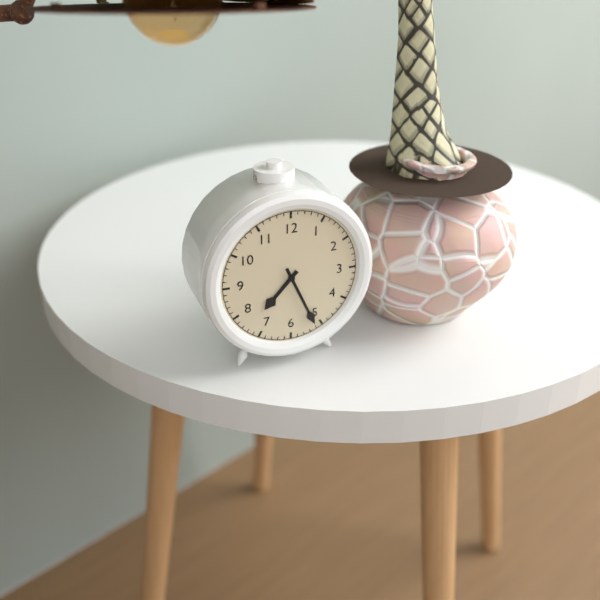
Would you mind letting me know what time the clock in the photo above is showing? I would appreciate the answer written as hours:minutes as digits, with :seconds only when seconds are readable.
7:26
